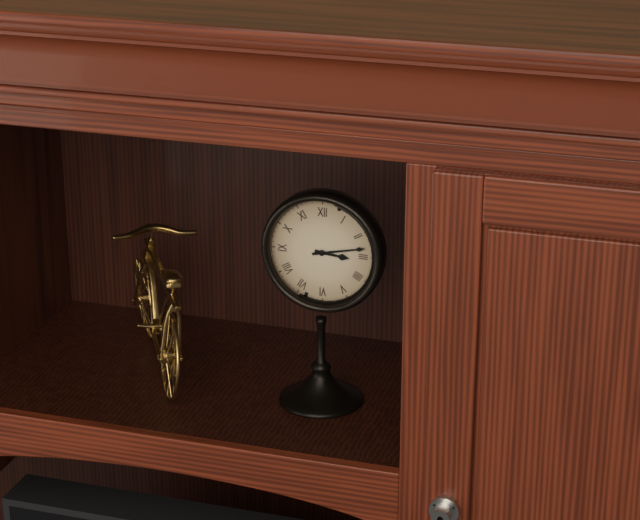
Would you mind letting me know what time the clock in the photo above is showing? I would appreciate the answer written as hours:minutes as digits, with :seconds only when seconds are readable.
3:13
